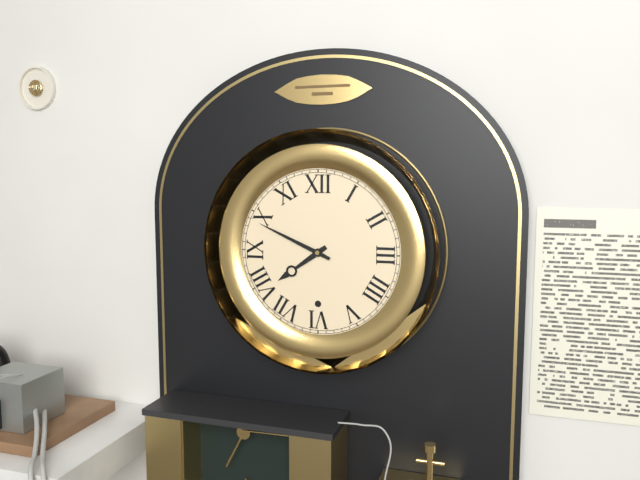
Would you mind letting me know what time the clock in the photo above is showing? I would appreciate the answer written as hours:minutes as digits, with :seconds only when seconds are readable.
7:49
